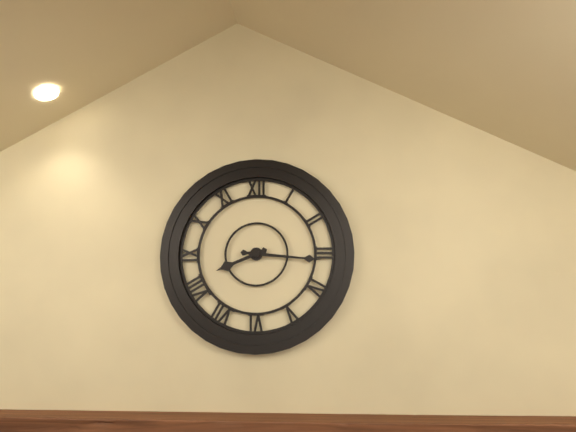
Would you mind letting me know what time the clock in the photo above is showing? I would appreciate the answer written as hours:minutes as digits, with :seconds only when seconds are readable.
8:16
